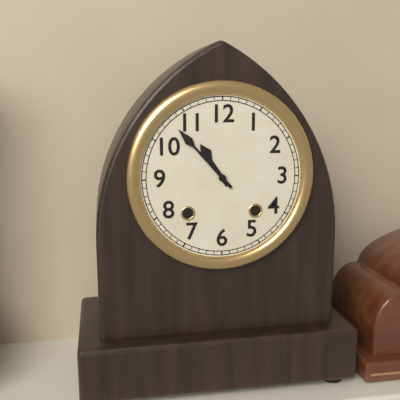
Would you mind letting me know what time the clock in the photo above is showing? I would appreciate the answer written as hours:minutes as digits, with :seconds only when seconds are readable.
10:53
